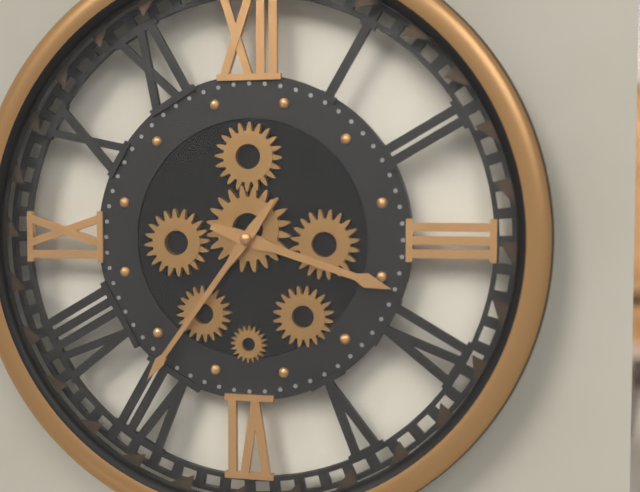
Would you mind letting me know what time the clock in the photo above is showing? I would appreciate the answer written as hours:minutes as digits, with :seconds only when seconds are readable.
3:36
